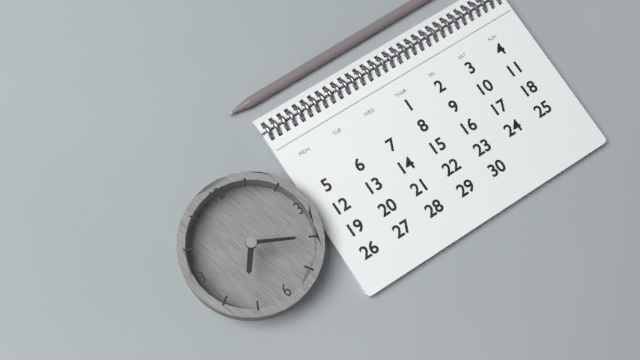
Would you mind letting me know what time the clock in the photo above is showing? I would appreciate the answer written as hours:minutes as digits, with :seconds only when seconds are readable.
7:20
